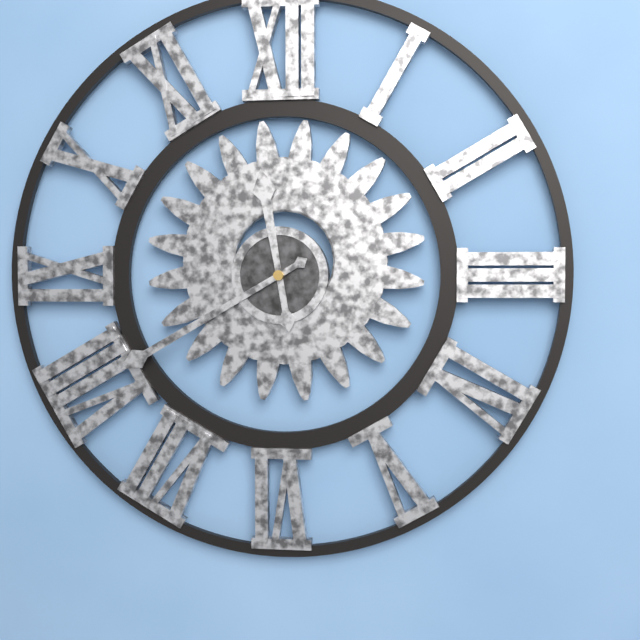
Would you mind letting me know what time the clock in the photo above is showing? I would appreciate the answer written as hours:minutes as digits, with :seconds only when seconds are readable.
11:40
